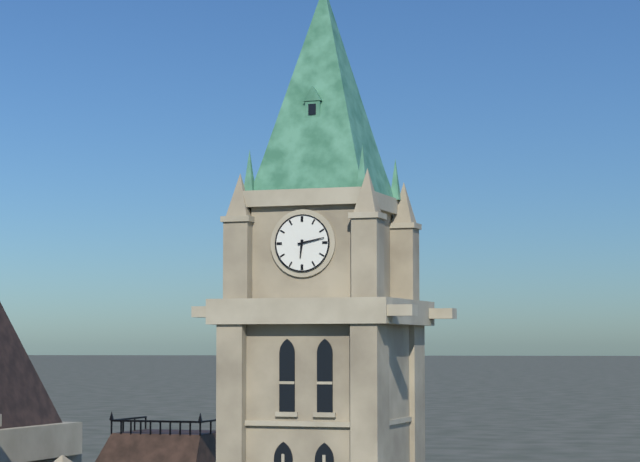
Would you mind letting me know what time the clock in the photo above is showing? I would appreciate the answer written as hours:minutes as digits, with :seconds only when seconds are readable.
6:13
